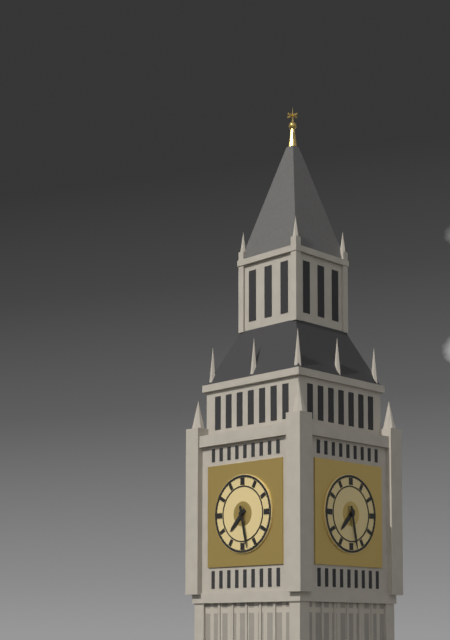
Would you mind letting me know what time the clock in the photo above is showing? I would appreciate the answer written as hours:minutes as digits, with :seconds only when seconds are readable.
7:28
